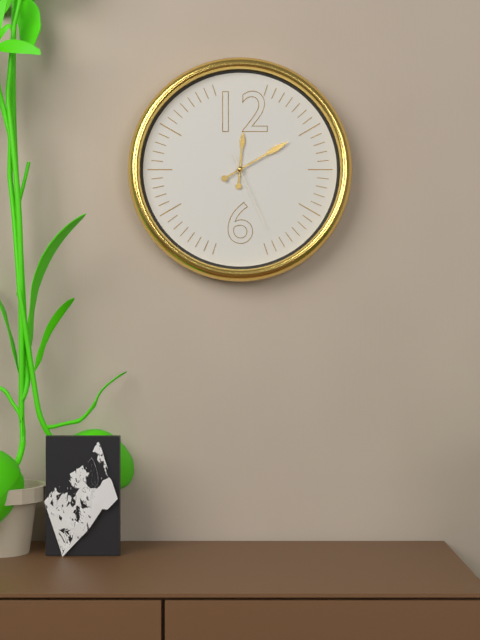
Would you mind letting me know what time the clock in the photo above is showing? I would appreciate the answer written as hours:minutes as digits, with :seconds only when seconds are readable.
12:10:26
